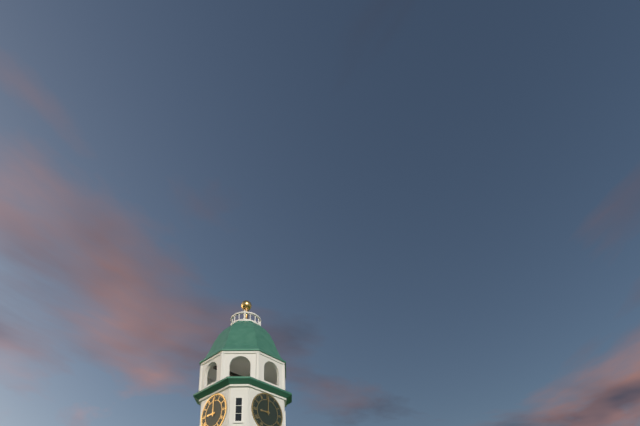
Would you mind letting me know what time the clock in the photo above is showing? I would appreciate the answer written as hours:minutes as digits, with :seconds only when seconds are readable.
9:00
